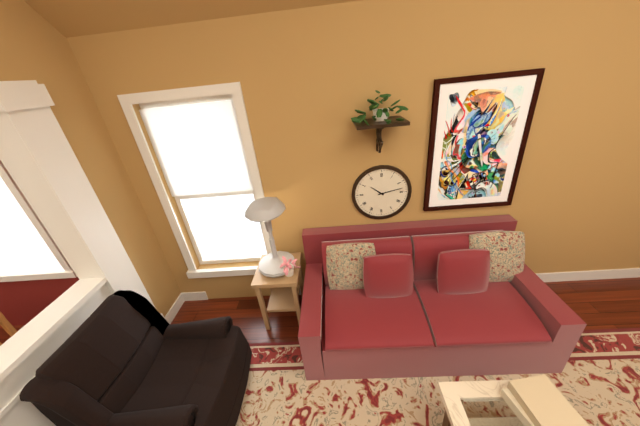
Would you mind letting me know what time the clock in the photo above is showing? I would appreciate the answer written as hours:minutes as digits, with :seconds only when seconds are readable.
10:13
